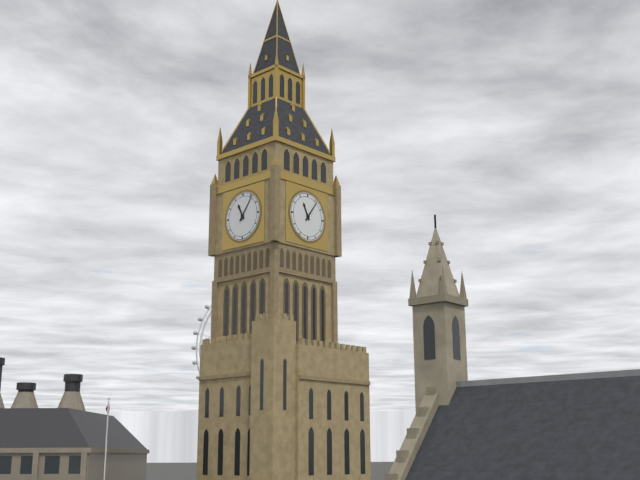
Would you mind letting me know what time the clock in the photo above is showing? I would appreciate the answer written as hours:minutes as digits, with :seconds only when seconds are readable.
11:06
